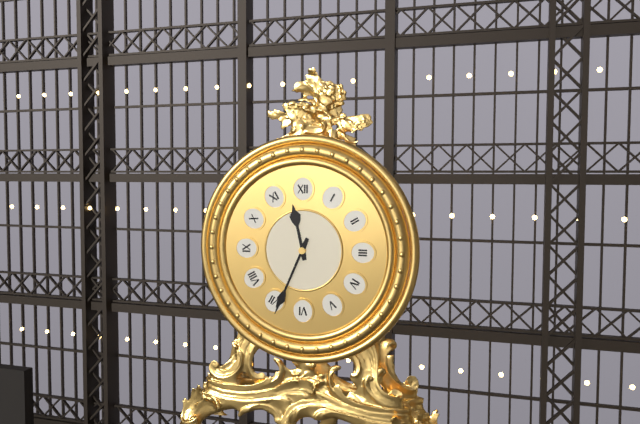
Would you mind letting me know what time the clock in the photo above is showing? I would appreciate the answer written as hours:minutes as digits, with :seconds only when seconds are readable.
11:34
